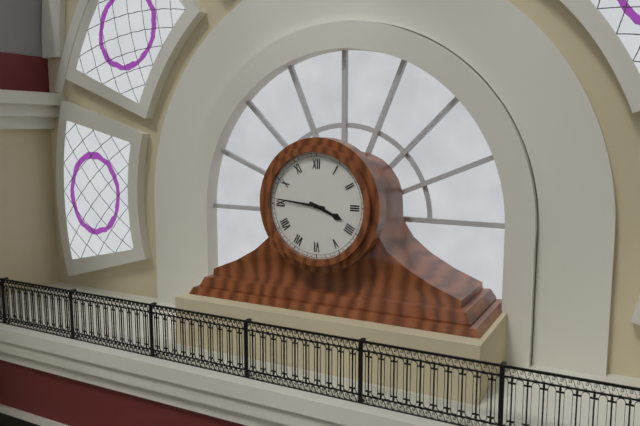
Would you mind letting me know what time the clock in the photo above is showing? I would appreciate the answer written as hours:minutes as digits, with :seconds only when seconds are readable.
3:46
